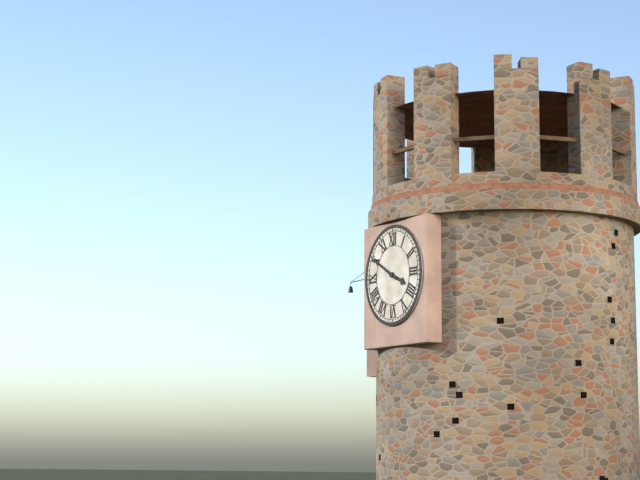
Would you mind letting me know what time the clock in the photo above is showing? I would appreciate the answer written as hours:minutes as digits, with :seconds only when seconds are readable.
3:50
